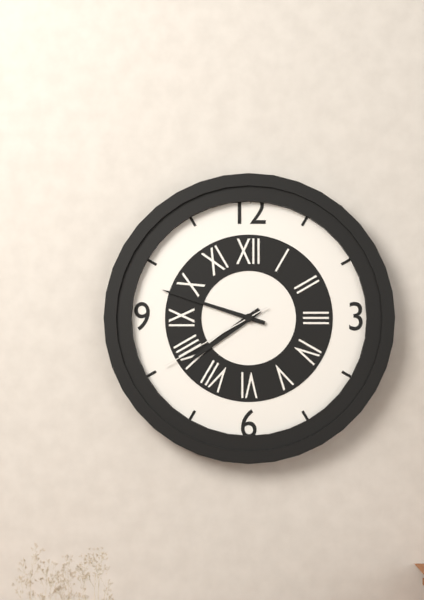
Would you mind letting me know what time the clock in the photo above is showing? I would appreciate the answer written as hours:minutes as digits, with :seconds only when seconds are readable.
7:48:40
